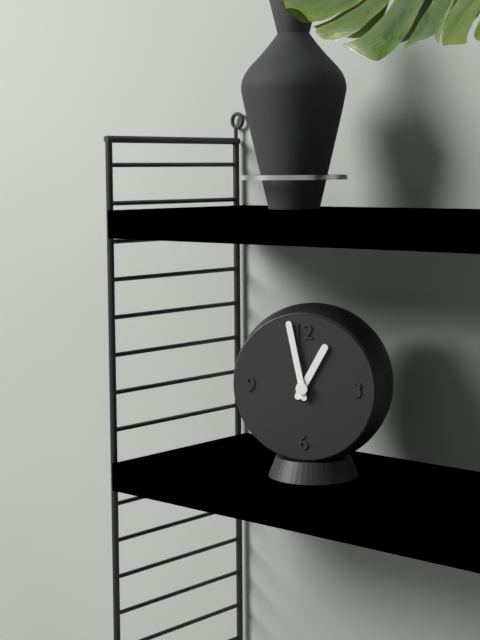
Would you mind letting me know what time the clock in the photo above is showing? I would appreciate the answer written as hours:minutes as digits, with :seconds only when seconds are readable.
12:58
